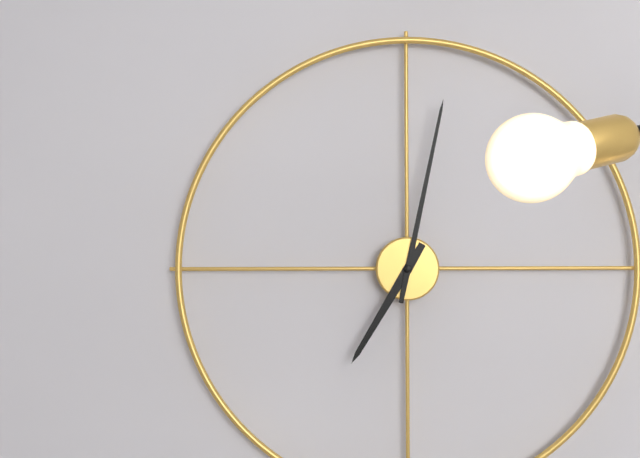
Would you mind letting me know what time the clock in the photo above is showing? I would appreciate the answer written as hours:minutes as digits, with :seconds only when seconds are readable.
7:02
